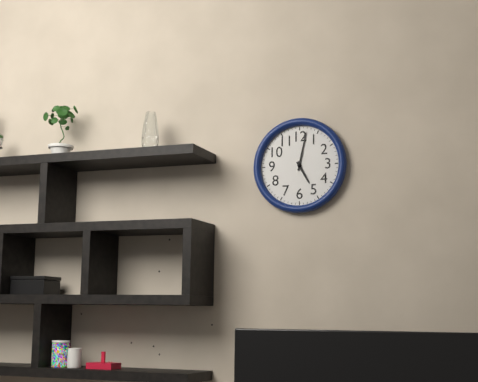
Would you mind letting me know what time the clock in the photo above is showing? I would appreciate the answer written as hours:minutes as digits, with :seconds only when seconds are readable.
5:02
